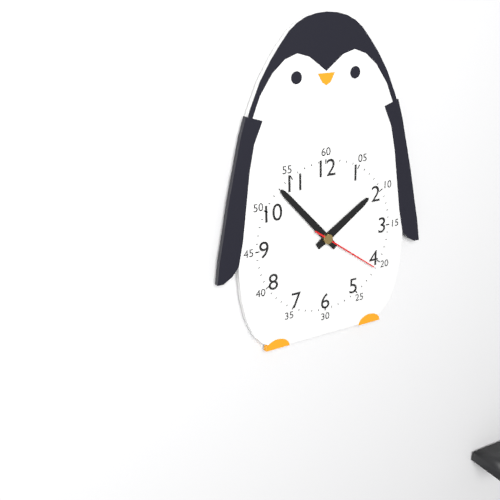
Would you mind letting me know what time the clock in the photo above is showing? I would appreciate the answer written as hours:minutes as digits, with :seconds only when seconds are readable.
1:53:21
